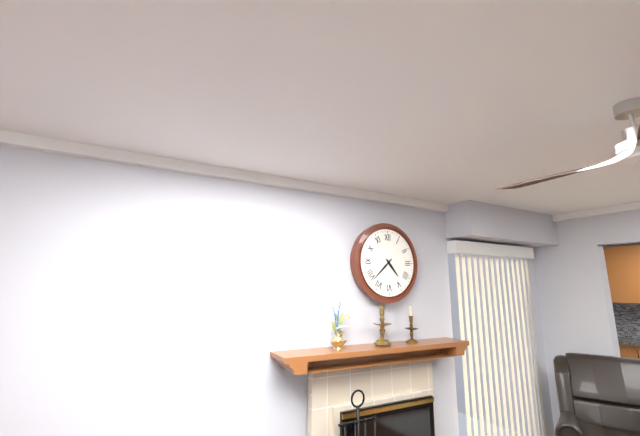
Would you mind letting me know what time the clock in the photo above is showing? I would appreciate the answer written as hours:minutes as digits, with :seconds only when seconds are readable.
4:38
